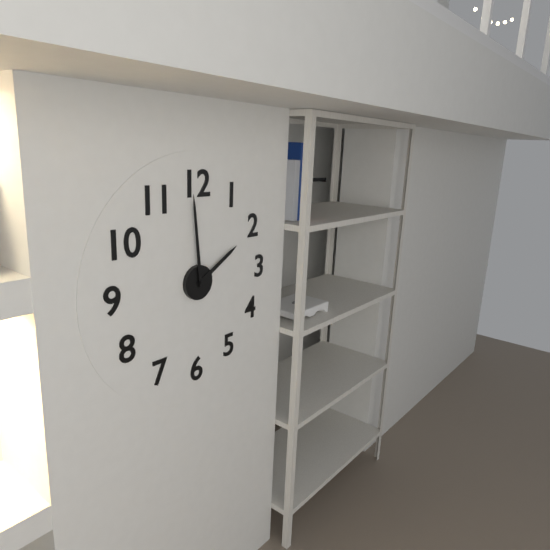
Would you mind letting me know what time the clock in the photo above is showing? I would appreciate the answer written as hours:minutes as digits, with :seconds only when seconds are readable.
1:59
